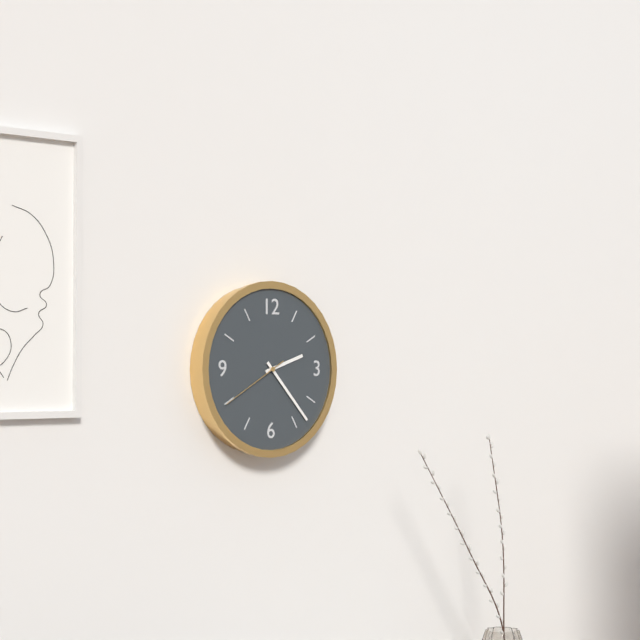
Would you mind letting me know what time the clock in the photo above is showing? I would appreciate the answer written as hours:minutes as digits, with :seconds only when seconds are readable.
2:23:40
